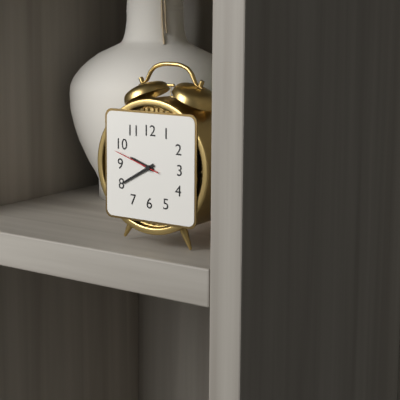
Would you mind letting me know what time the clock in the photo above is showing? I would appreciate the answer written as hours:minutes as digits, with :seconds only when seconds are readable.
9:40
